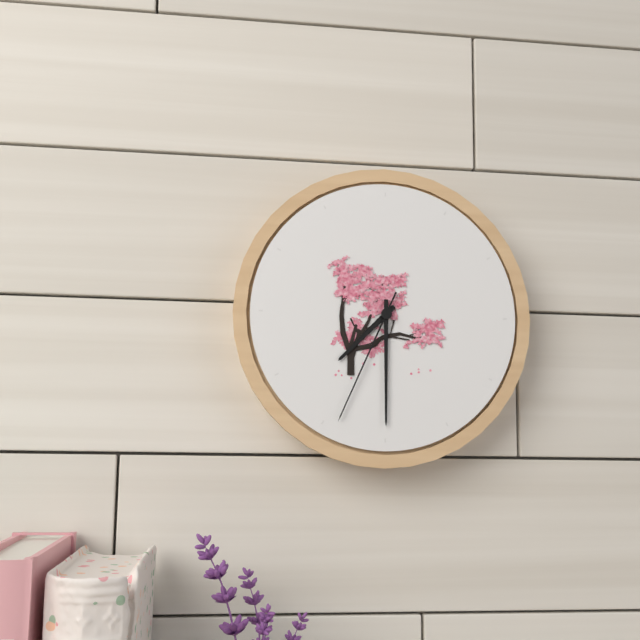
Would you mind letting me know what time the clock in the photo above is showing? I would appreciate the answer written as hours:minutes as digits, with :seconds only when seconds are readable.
7:30:34
